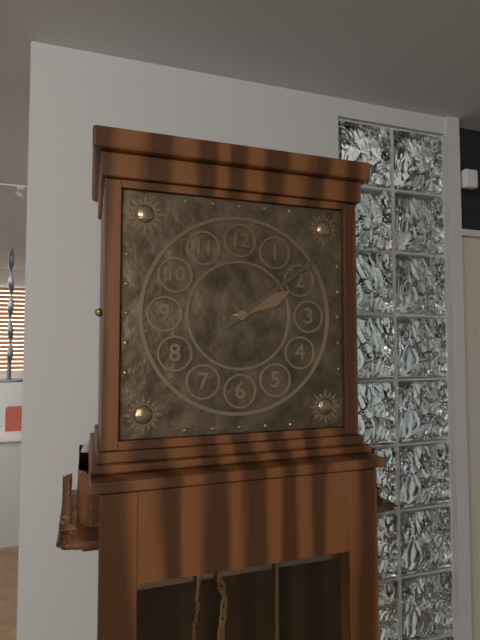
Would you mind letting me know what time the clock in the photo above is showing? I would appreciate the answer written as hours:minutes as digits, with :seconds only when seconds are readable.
2:09
